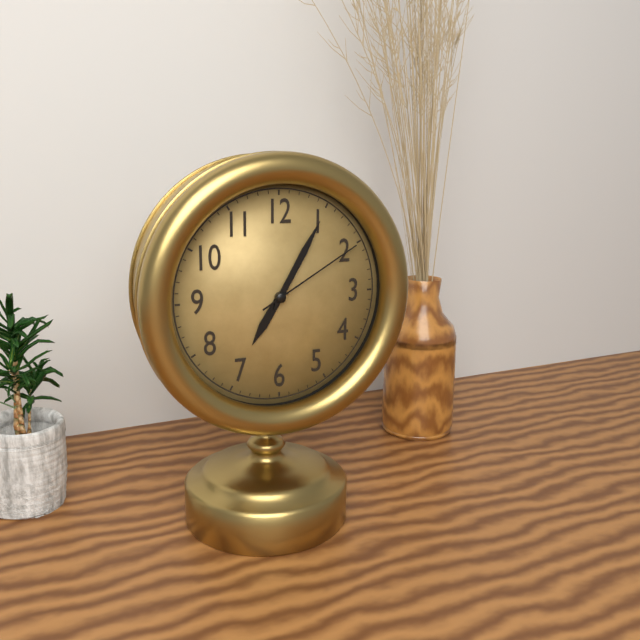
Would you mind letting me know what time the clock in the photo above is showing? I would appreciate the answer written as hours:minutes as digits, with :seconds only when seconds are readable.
7:05:10
